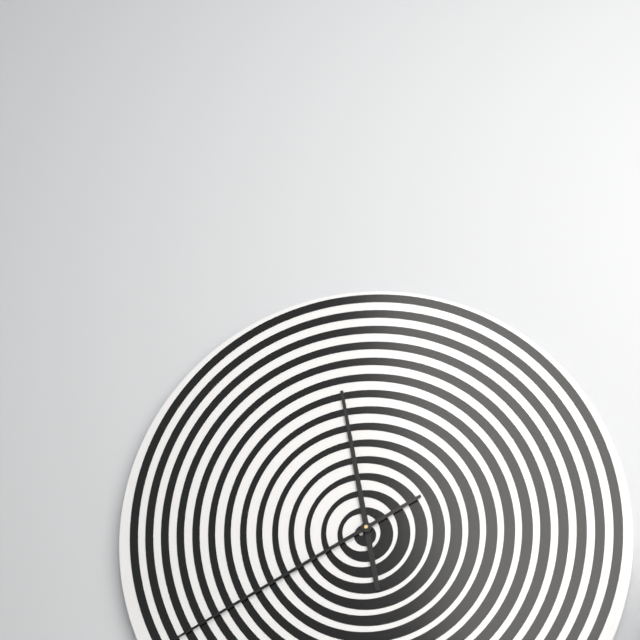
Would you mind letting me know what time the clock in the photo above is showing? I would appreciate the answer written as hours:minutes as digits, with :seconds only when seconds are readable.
11:40
